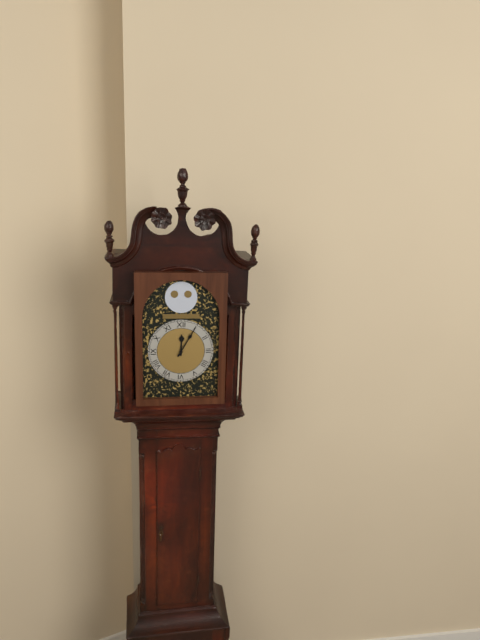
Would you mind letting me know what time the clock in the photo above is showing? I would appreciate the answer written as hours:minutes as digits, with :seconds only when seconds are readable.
12:05
